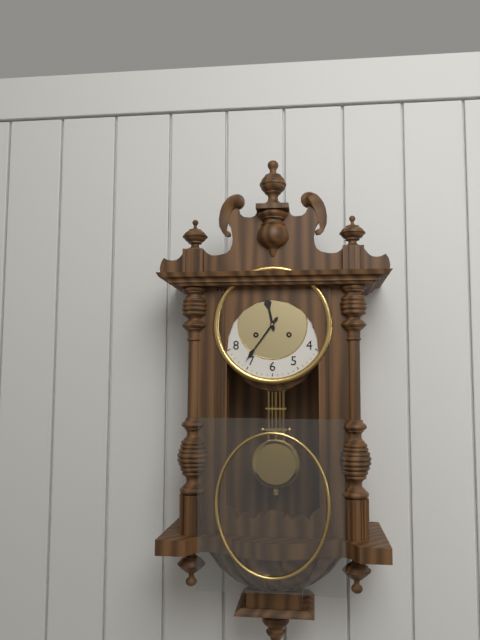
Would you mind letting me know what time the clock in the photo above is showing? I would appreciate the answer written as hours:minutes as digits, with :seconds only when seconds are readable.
11:36
